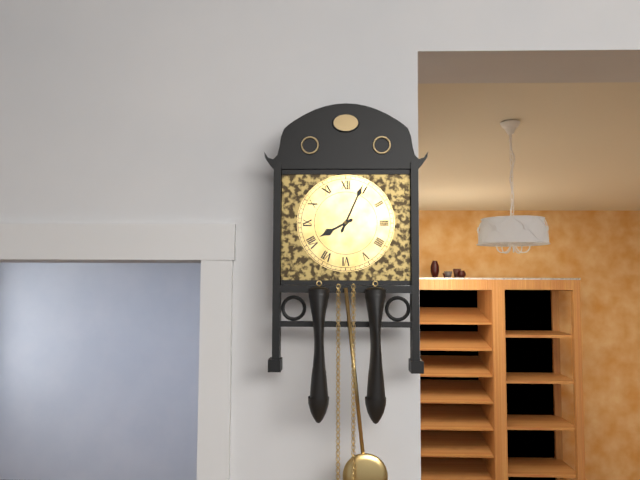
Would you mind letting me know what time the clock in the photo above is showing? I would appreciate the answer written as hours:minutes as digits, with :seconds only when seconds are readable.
8:04
